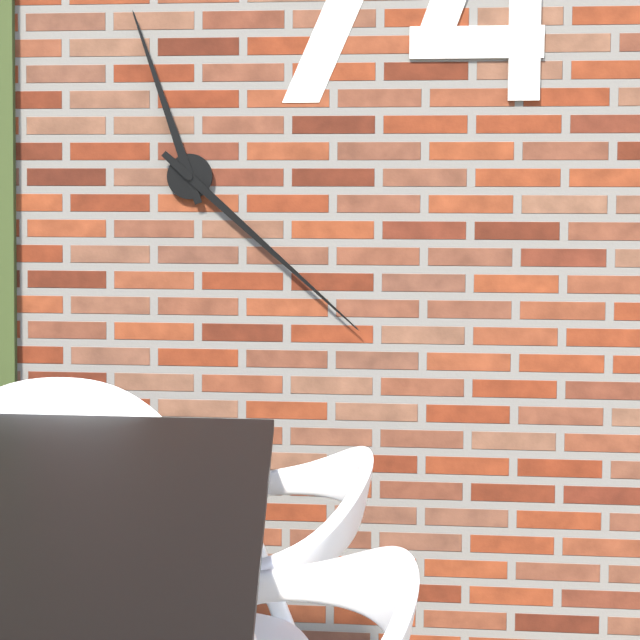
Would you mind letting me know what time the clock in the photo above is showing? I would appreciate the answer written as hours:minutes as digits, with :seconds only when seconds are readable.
11:22
